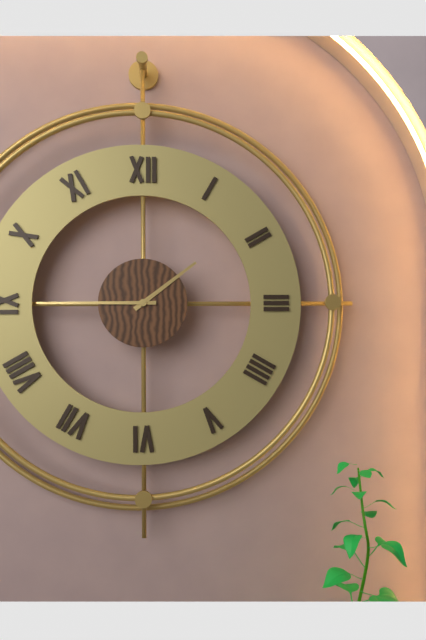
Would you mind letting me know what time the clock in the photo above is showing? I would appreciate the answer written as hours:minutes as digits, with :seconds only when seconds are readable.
1:45
